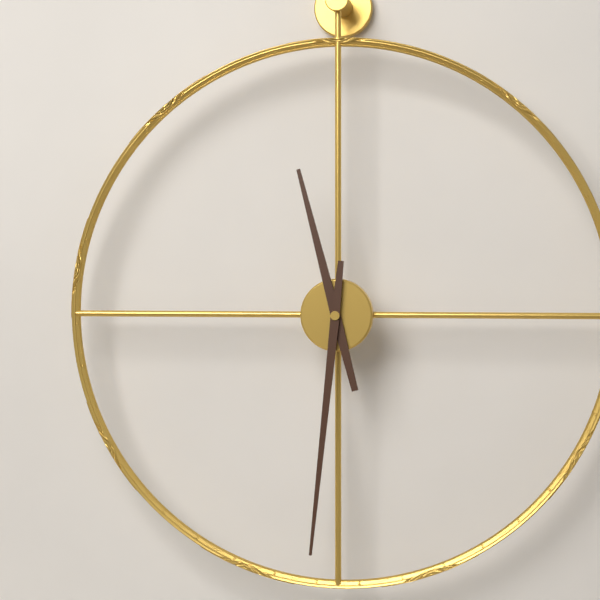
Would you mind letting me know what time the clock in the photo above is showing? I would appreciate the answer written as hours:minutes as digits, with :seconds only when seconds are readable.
11:31
